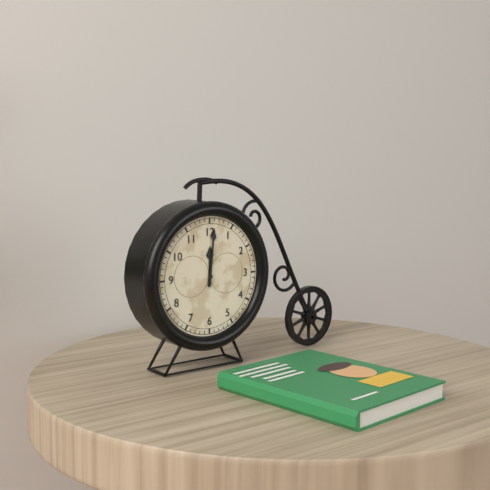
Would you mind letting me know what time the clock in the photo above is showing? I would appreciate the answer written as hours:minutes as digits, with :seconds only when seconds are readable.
12:01
